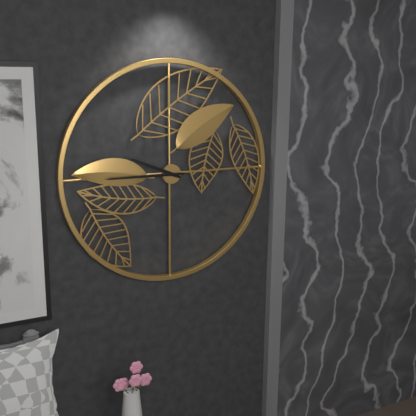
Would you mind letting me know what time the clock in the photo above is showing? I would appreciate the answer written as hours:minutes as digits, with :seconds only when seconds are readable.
9:45
